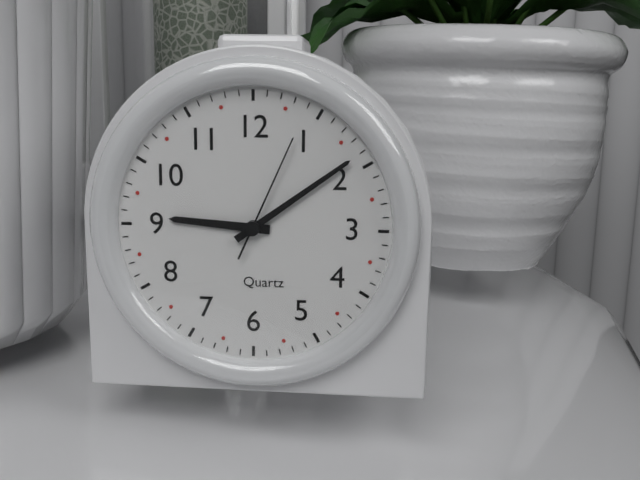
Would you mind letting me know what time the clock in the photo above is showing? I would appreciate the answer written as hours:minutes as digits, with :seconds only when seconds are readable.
9:09:04
